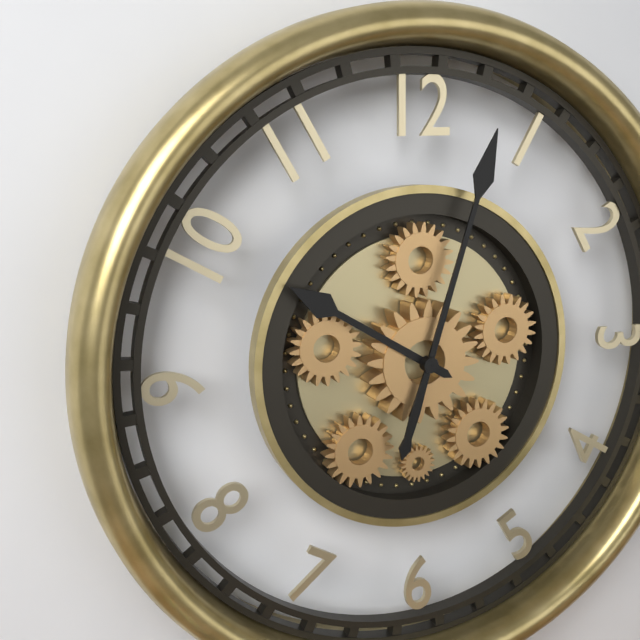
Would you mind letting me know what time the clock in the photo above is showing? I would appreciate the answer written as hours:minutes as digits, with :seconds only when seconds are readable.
10:03
